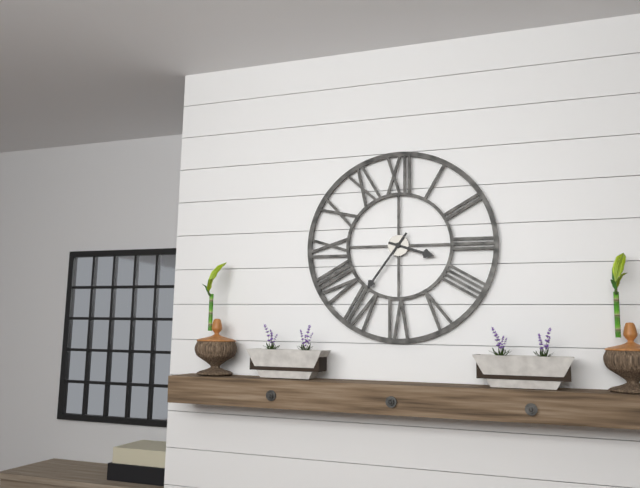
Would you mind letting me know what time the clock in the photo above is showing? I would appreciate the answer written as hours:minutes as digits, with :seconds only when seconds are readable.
3:36
